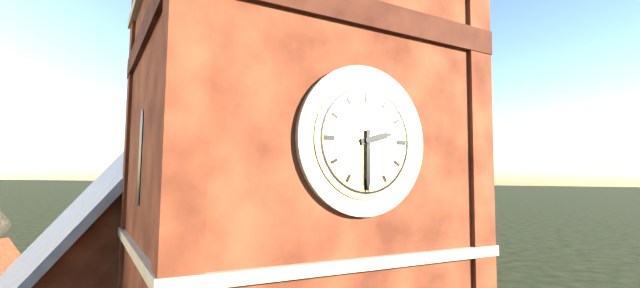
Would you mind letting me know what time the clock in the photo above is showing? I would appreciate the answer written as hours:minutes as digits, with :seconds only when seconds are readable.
2:30
